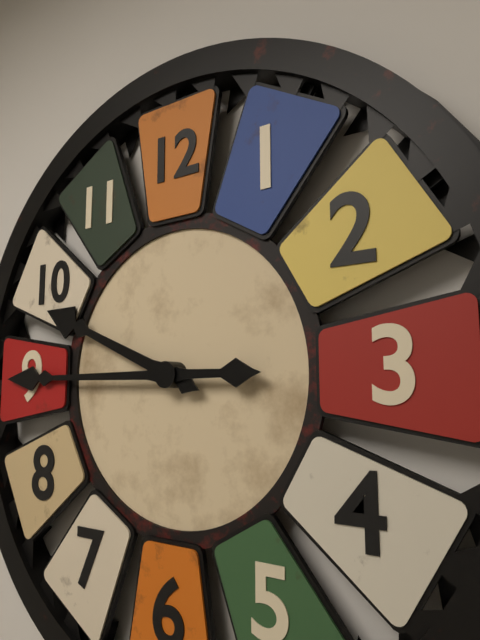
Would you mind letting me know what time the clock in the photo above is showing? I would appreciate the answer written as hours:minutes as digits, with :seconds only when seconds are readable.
9:45
